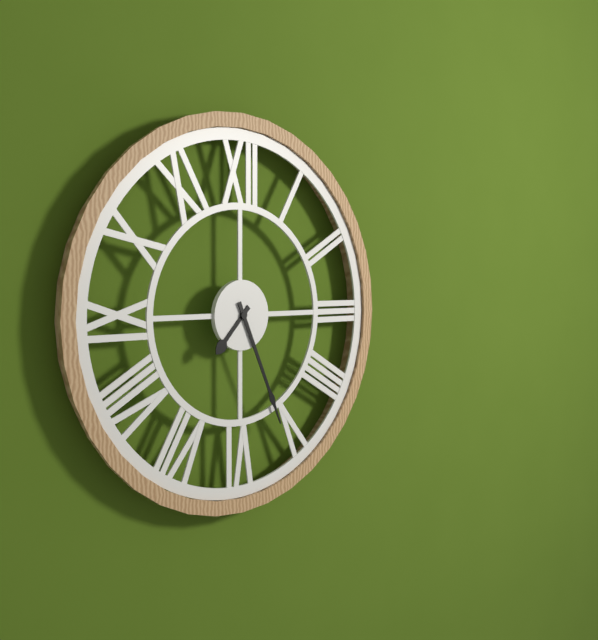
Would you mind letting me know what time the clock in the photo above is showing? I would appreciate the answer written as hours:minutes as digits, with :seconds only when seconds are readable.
7:26
